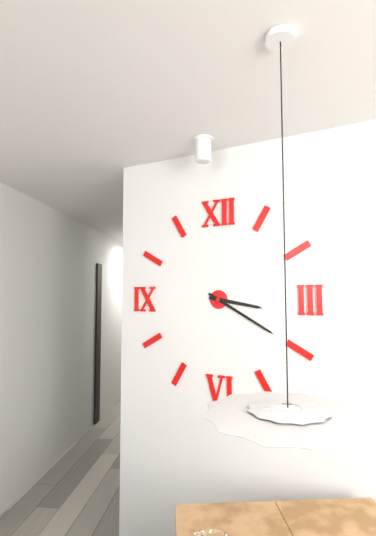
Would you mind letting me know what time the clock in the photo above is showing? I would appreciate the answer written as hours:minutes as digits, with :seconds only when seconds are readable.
3:20
